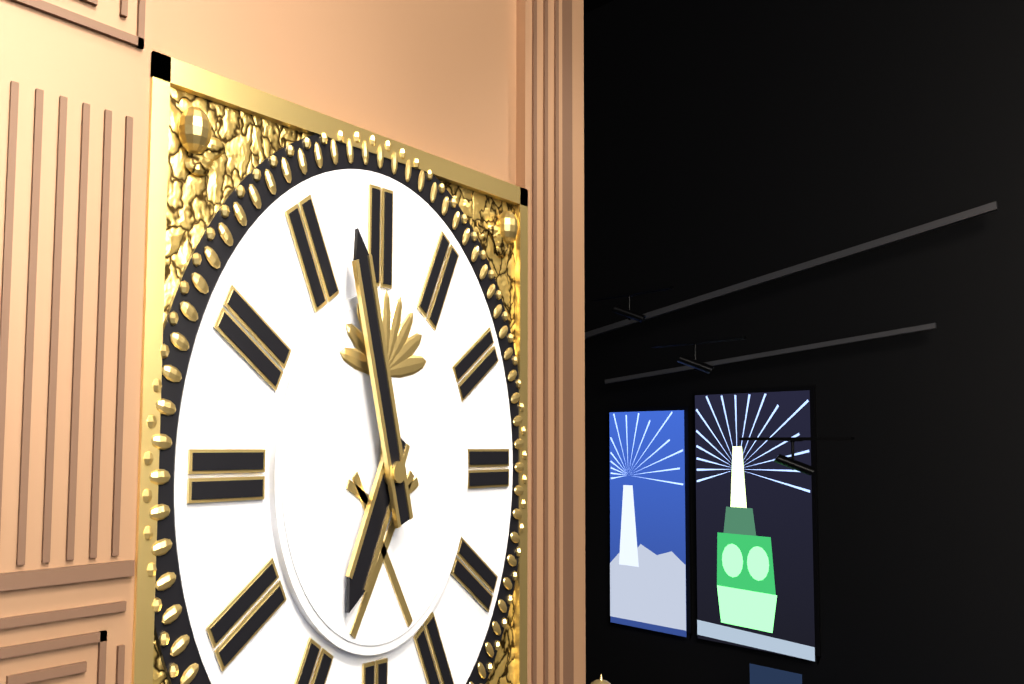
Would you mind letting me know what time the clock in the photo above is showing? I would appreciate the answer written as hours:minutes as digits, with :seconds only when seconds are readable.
6:57
